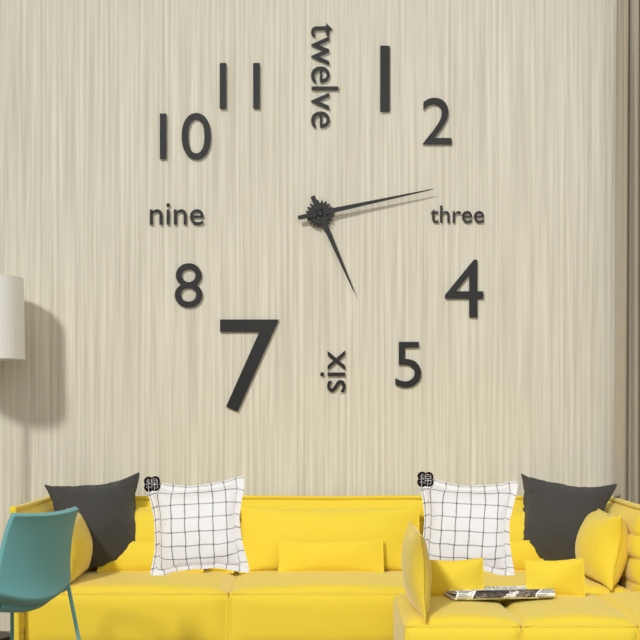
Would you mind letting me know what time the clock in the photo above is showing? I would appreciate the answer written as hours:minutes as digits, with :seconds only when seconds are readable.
5:13
